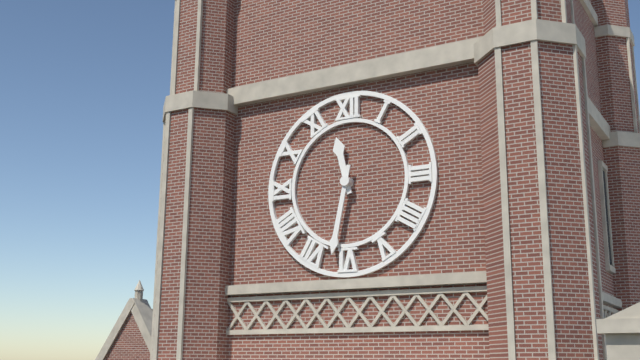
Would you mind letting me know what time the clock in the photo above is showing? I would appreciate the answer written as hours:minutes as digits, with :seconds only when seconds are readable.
11:32
